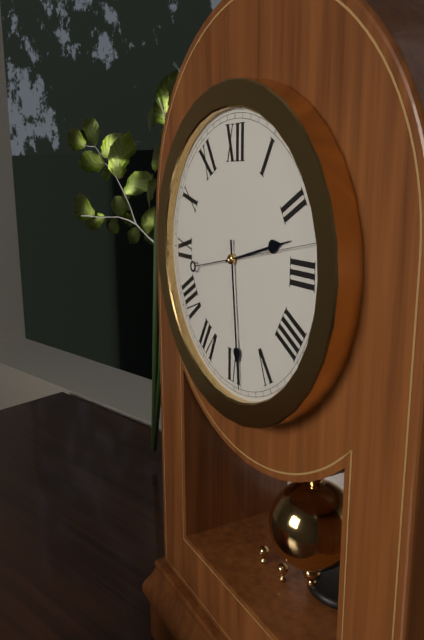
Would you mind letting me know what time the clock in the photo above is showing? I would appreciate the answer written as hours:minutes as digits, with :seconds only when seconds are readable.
2:29:13
